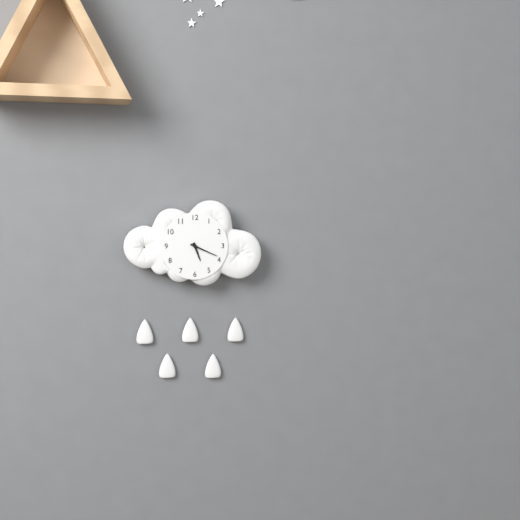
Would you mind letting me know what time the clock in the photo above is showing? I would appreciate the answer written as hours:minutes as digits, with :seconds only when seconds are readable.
5:19
